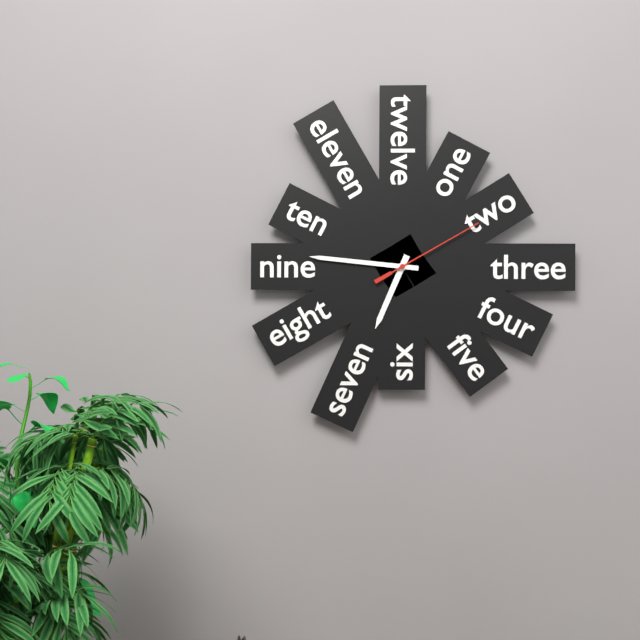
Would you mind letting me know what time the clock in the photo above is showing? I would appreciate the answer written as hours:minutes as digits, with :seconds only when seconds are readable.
6:46:10
